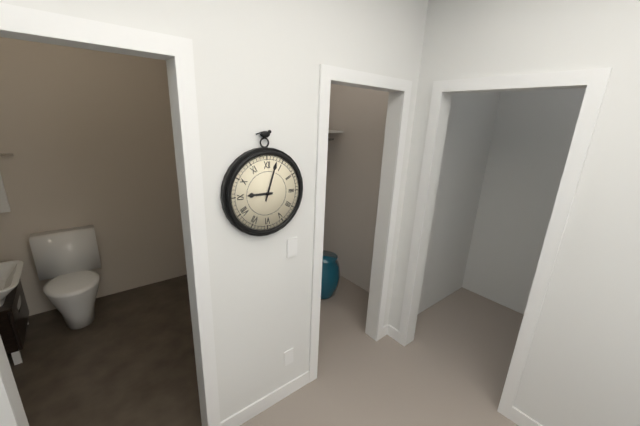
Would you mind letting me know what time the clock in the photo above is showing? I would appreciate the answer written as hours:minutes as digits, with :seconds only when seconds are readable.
9:03
